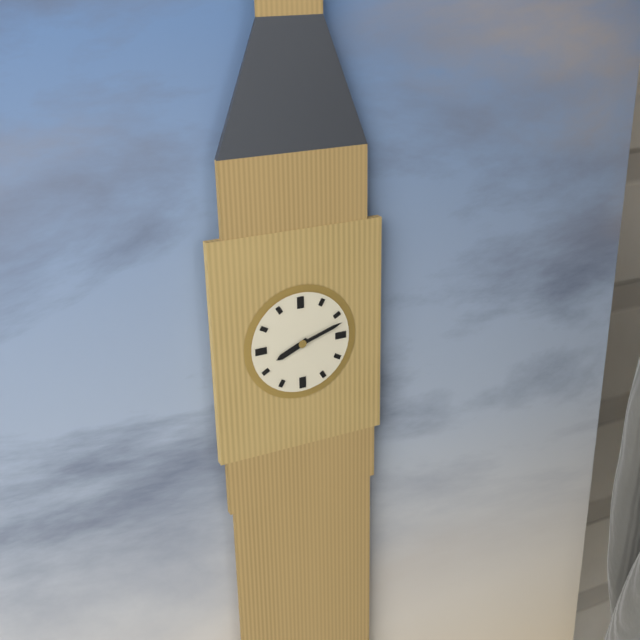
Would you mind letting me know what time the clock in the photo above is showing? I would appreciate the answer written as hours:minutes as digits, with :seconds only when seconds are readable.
8:12
